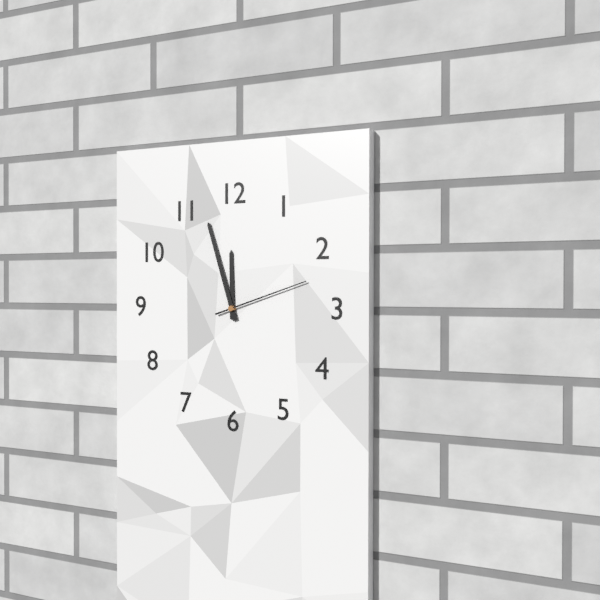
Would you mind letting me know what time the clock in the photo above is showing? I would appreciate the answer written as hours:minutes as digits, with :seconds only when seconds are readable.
11:57:12
